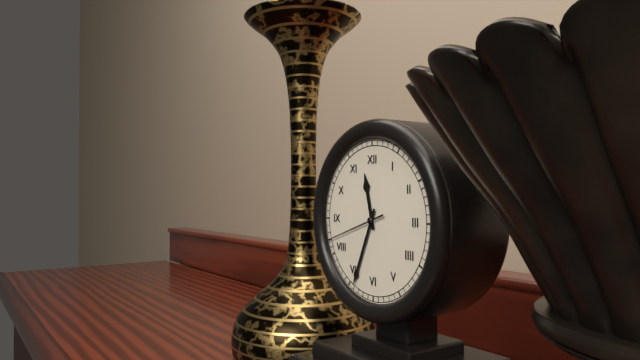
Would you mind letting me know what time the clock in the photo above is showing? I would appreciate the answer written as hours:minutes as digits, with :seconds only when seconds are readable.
11:34:42
